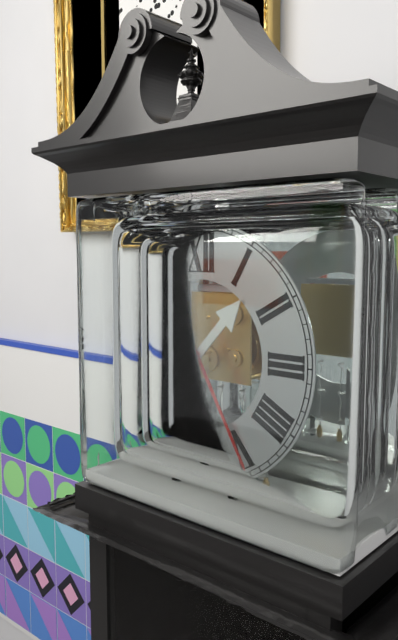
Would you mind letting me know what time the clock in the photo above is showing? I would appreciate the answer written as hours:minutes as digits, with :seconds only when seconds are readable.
1:25
